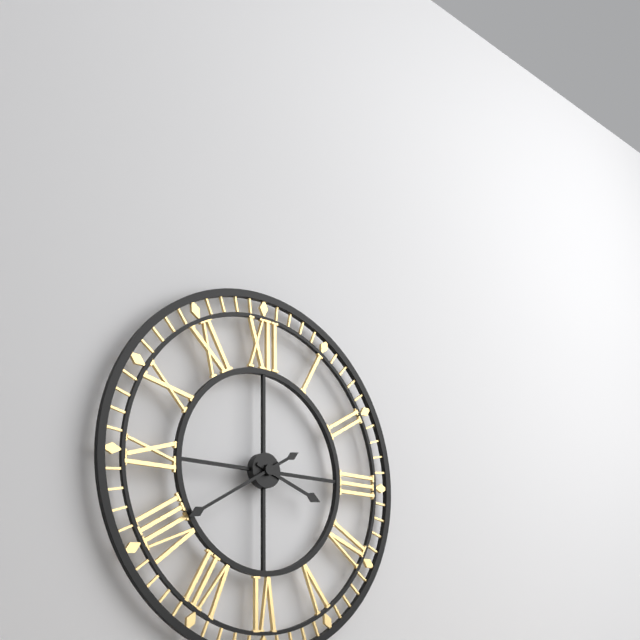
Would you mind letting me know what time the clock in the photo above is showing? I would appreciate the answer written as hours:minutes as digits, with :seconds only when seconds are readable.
3:40
